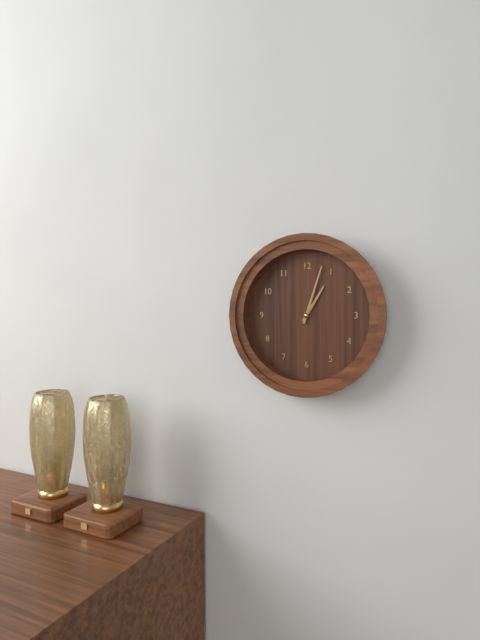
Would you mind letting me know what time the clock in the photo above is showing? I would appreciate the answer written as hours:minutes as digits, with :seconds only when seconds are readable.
1:03
